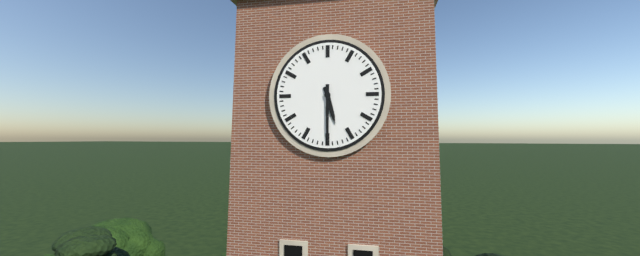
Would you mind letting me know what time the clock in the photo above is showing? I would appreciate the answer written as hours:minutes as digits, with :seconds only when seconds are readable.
5:30
